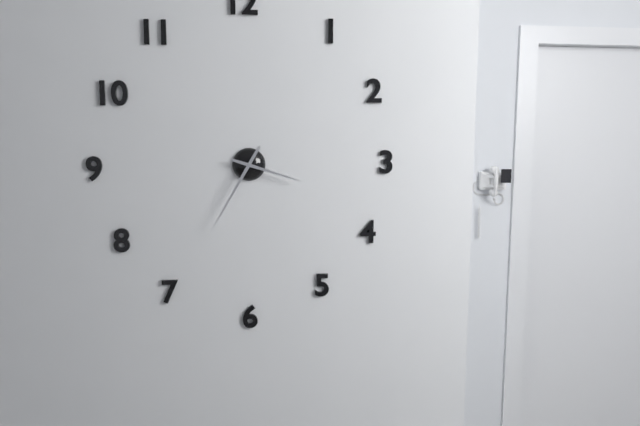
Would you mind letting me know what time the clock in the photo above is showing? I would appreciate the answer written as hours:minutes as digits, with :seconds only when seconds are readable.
3:35
